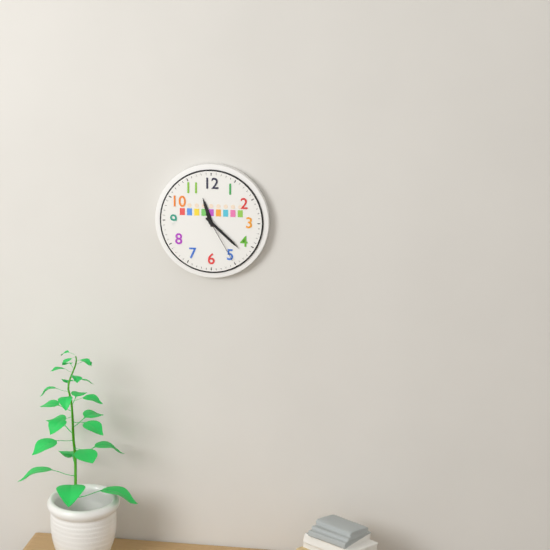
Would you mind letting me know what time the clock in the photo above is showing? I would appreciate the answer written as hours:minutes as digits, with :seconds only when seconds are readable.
11:22:25
